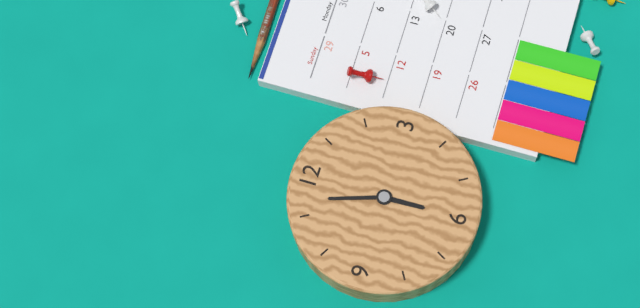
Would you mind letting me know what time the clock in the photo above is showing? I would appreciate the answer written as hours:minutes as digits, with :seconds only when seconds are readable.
5:57
